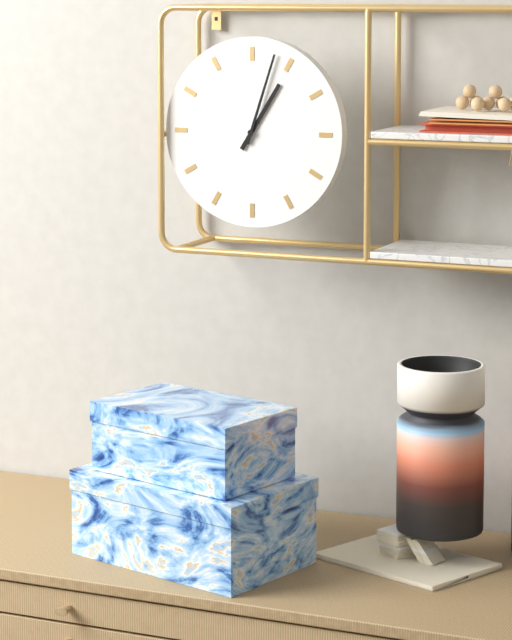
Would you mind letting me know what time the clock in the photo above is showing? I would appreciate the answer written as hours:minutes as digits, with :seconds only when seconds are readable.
1:03
